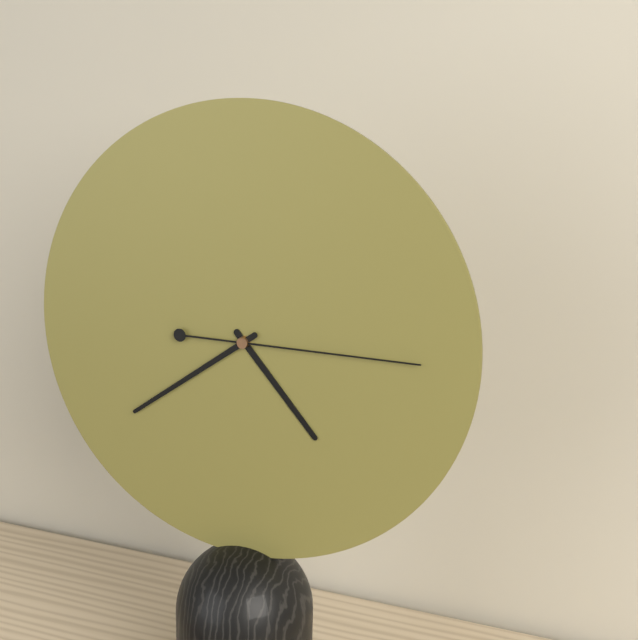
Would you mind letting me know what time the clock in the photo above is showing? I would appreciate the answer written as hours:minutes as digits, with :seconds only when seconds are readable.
4:39:15
